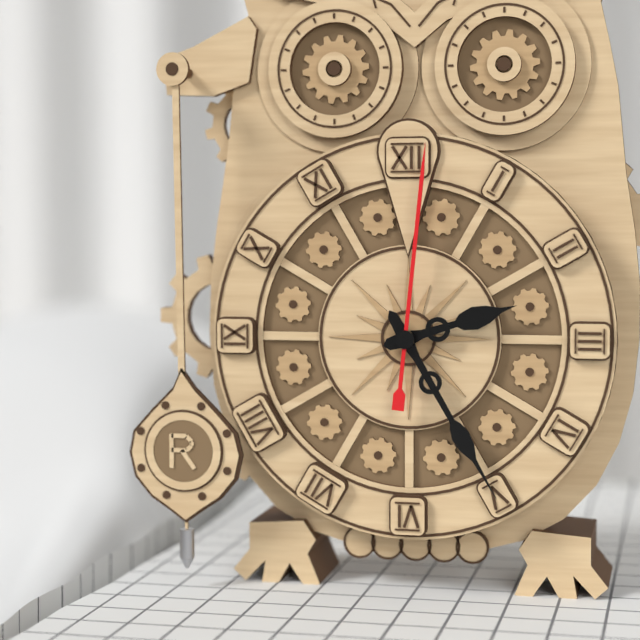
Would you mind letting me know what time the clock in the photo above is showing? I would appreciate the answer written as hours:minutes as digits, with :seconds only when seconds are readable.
2:25:01
